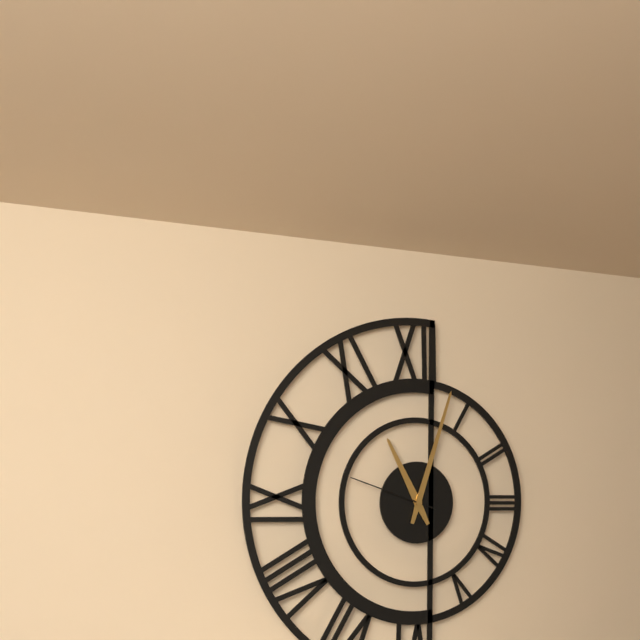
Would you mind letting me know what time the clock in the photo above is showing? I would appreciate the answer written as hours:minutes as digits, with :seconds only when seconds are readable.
11:03:48
